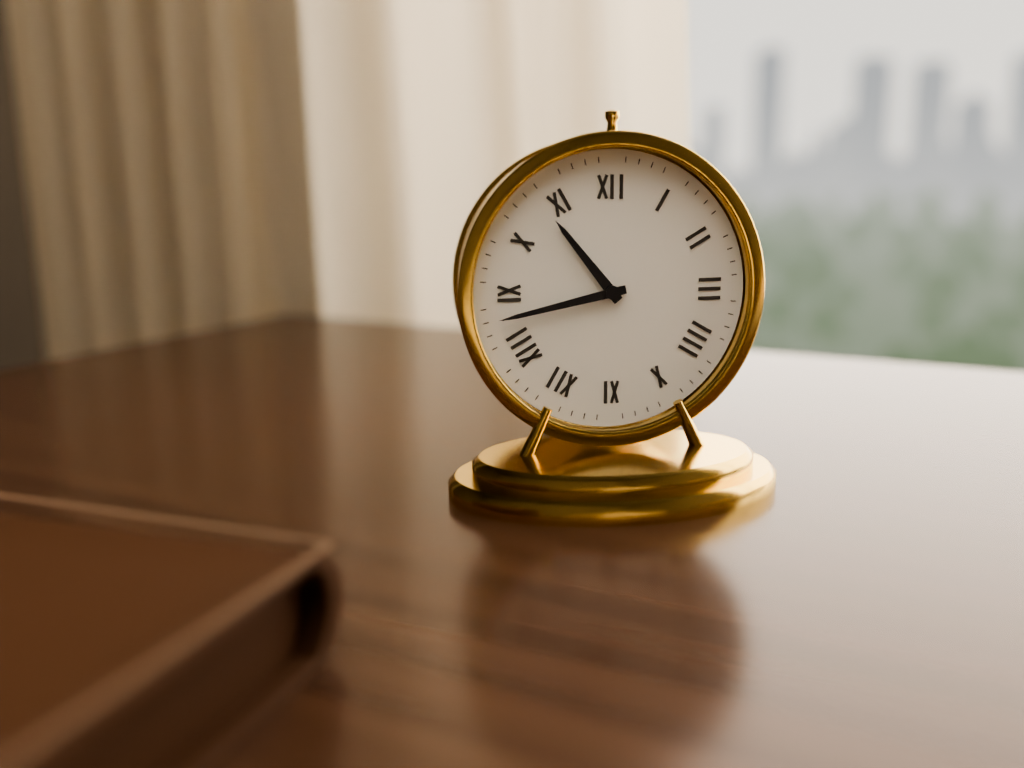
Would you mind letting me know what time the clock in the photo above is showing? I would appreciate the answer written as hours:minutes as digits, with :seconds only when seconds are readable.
10:43
